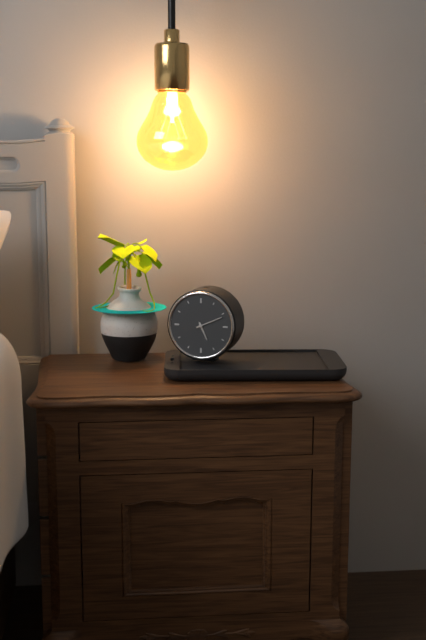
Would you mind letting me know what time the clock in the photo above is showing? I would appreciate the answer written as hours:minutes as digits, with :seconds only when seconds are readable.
5:11
